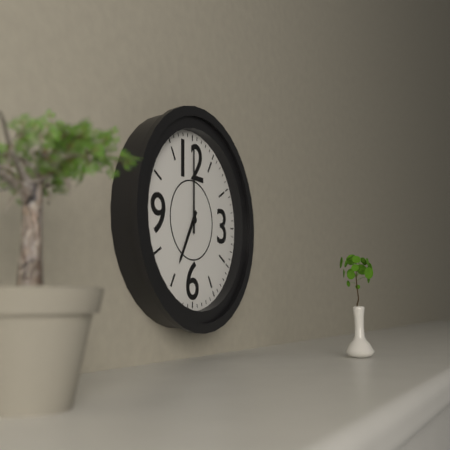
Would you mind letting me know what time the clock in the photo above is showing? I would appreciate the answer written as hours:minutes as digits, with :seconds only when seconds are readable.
7:00
